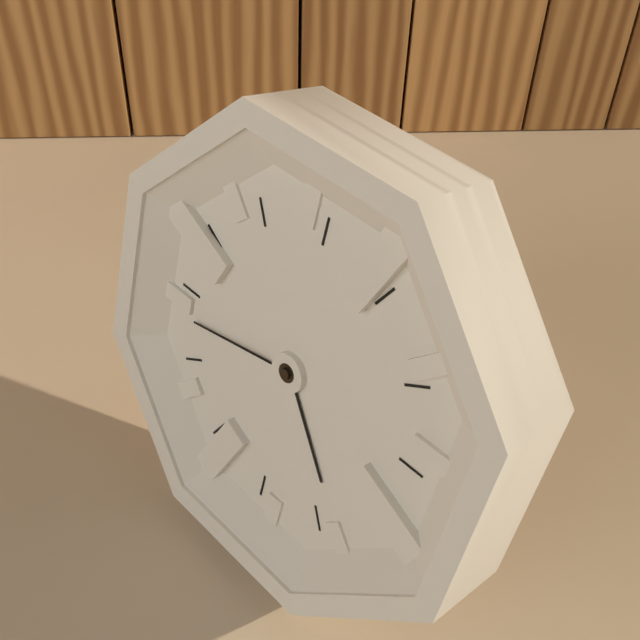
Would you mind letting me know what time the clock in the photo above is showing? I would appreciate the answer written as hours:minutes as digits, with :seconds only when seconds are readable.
4:43
